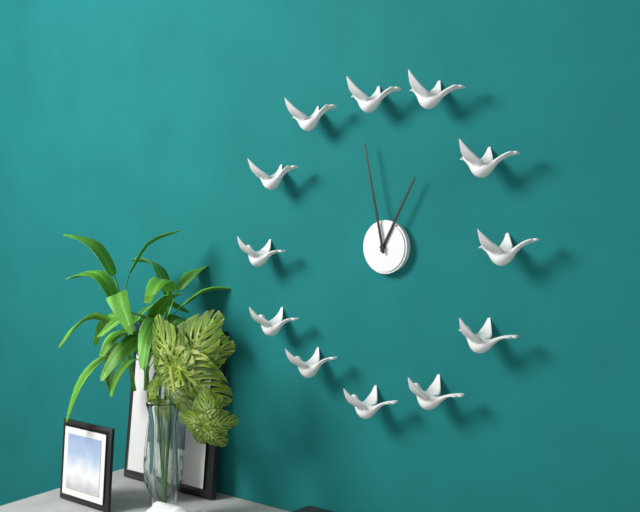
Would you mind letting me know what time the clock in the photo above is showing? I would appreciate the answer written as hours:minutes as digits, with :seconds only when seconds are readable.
12:58
